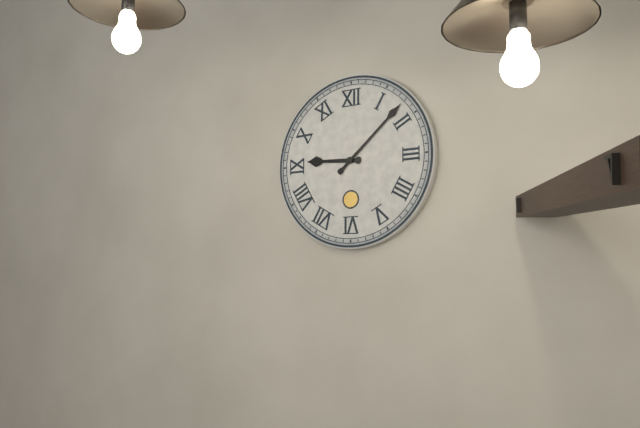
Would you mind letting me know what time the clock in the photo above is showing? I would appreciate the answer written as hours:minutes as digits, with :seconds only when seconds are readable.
9:08
